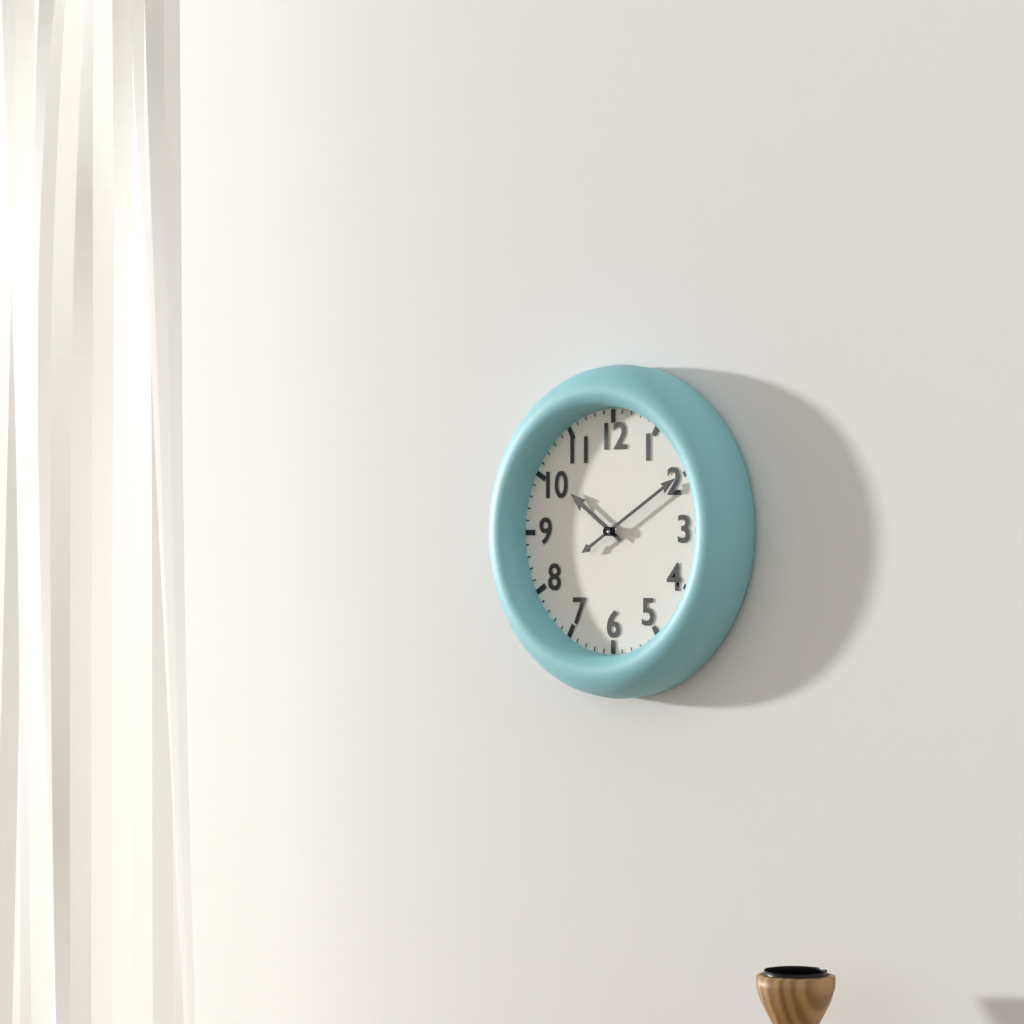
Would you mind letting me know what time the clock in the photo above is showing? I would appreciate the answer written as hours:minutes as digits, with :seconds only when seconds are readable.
10:10
